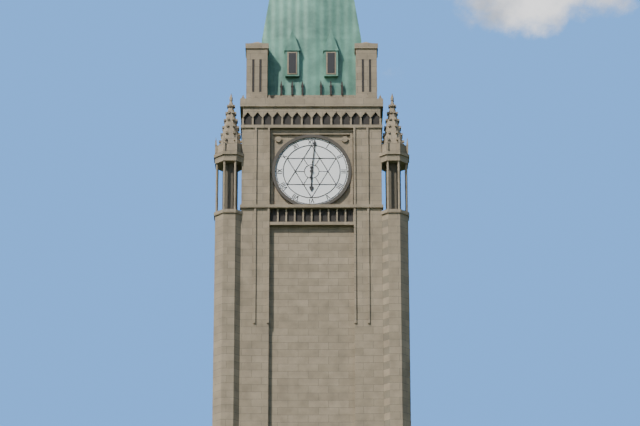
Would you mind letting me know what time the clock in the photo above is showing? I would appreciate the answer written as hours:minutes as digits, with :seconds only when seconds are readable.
6:01
